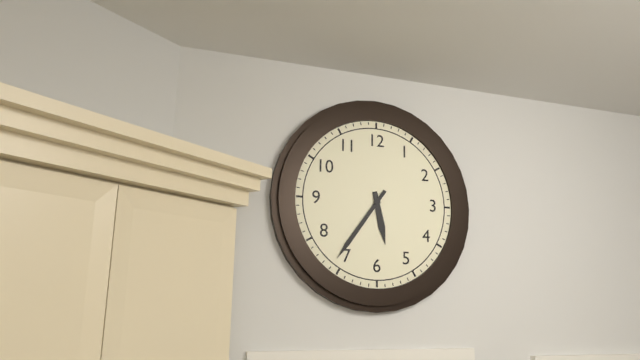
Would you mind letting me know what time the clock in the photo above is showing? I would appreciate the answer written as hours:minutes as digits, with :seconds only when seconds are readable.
5:36
